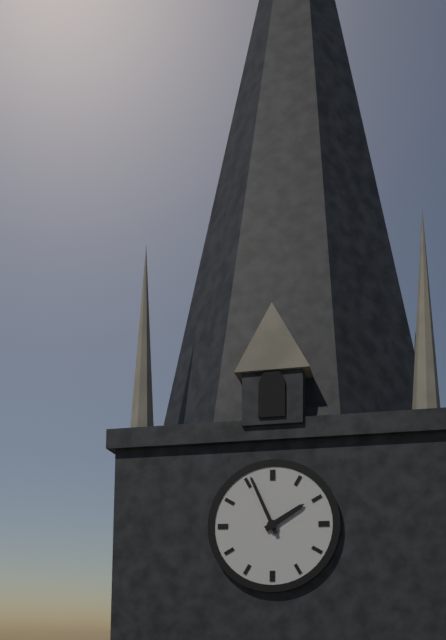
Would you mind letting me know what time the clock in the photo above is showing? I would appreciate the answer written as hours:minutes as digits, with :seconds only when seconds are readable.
1:56
